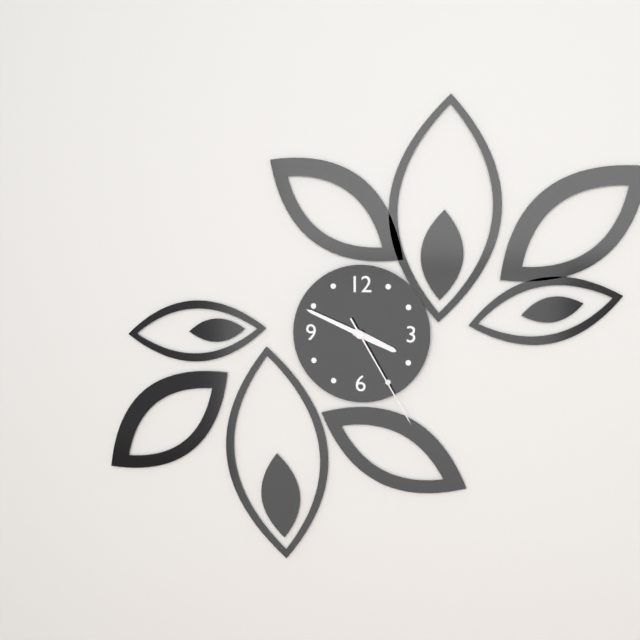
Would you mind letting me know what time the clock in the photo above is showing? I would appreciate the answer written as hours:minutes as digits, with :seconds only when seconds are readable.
3:49:25
